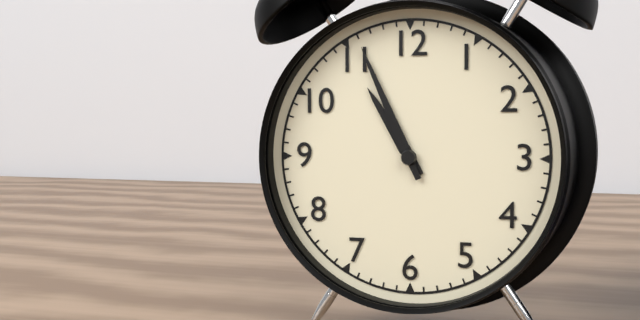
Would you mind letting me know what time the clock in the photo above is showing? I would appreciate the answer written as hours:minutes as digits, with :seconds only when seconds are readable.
10:56
